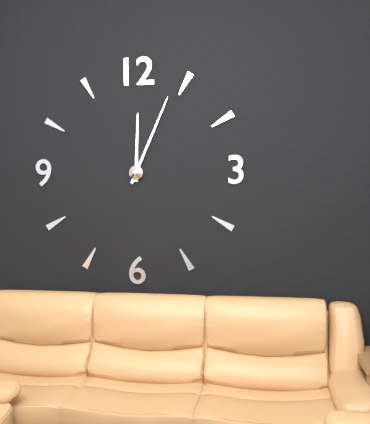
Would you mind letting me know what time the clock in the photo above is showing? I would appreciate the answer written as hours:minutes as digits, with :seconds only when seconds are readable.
12:04
